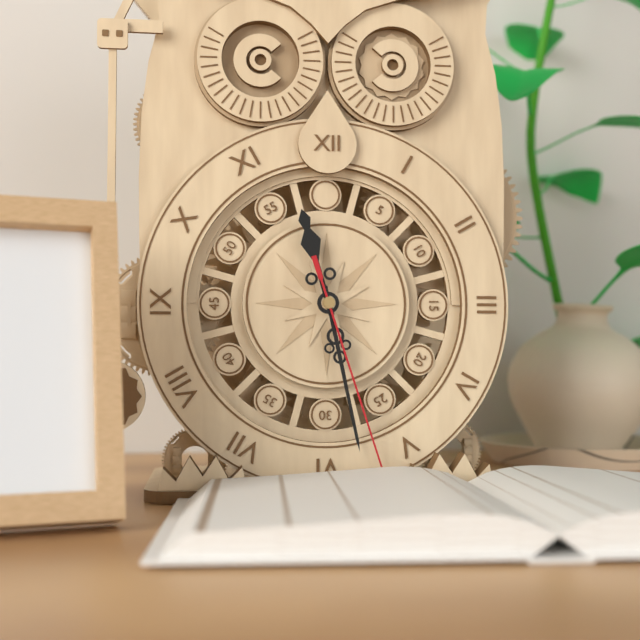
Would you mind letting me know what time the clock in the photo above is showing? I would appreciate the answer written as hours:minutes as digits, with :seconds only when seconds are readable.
11:28:27
